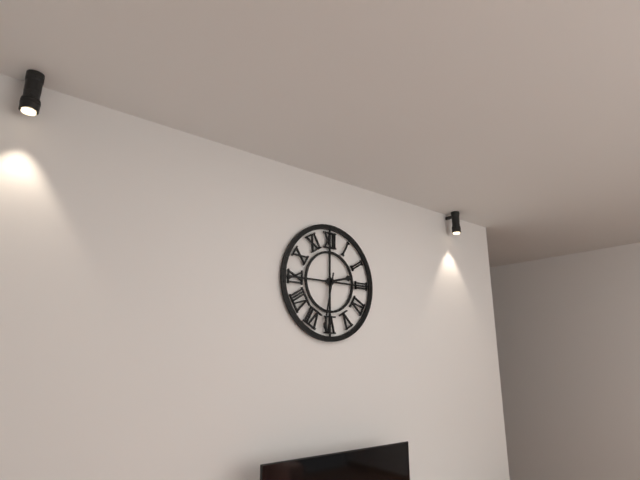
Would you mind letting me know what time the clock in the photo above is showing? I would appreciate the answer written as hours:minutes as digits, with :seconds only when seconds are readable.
2:32
